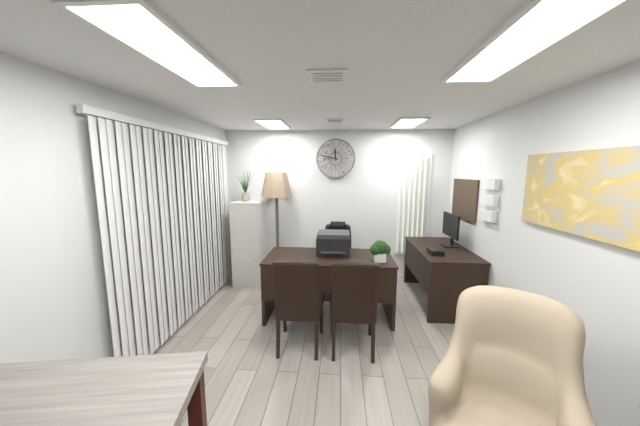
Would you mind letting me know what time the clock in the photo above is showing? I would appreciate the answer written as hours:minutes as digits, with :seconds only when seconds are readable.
11:47
